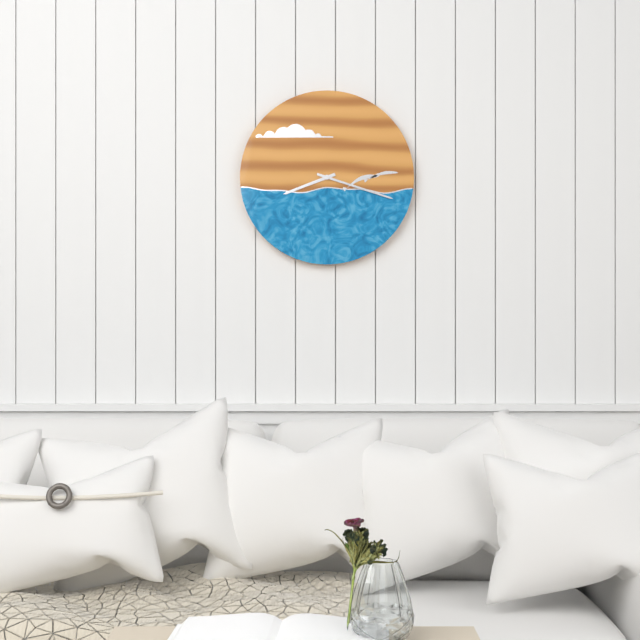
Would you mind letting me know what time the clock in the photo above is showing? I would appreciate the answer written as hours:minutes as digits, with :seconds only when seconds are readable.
8:18
